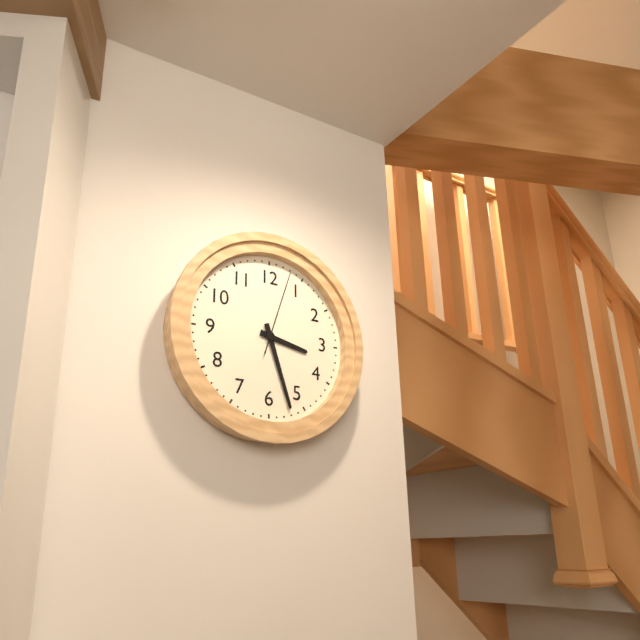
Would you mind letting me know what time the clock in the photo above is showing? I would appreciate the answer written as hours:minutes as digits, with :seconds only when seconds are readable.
3:27:03
